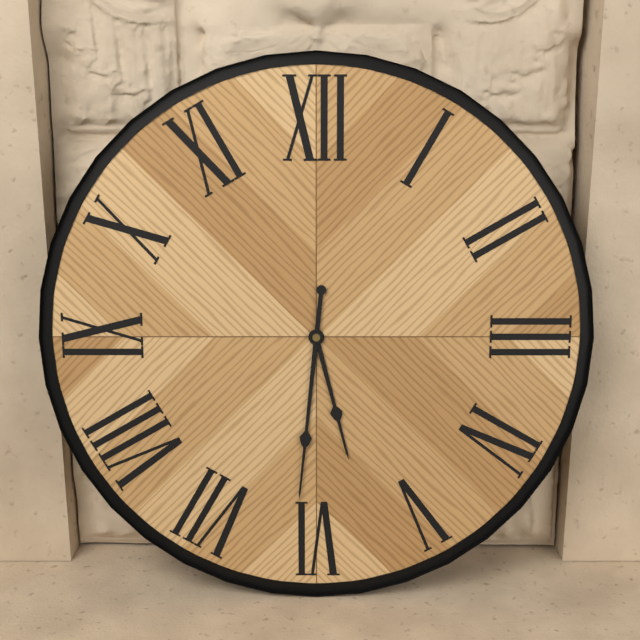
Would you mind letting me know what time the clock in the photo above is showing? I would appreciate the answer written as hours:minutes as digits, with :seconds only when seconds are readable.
5:31
